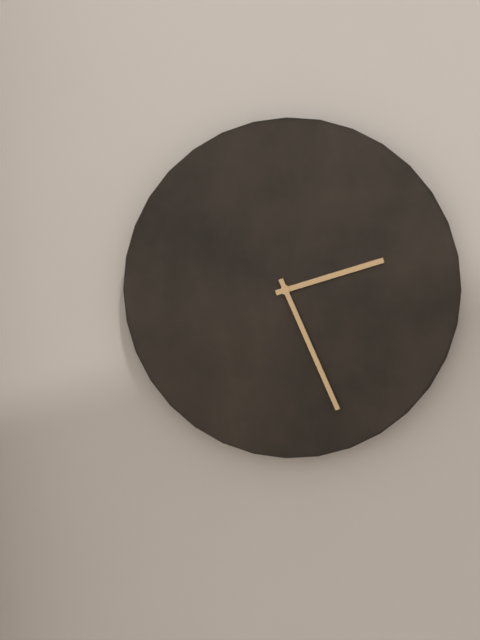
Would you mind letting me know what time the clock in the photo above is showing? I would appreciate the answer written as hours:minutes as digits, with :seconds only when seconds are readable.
2:26
